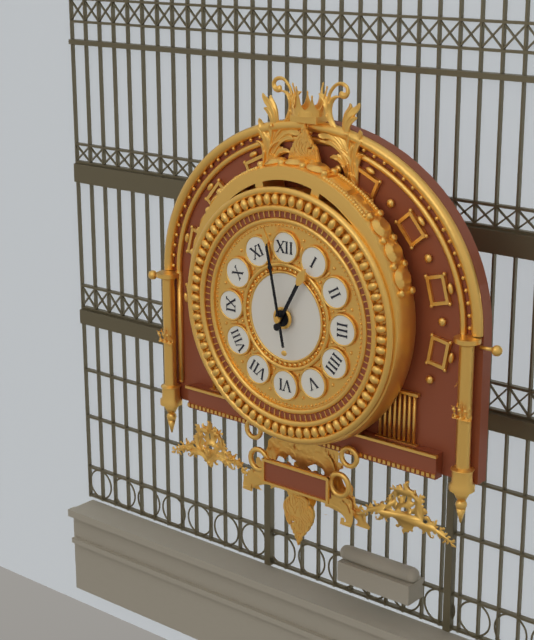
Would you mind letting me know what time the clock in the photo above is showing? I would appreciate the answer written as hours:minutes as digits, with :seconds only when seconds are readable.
12:58
